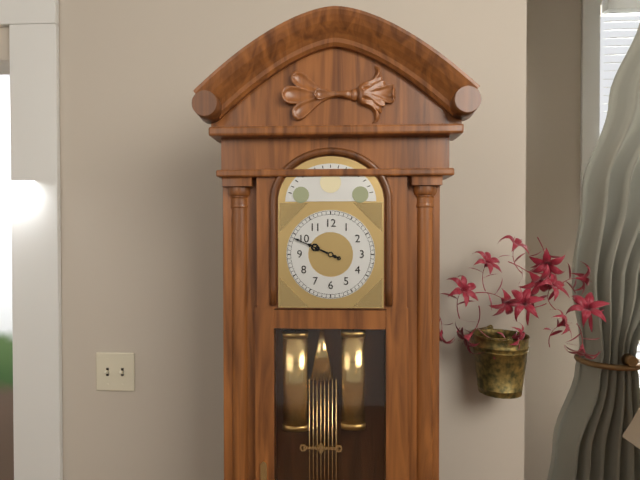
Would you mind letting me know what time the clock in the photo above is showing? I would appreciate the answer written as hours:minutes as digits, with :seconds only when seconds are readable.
9:49
